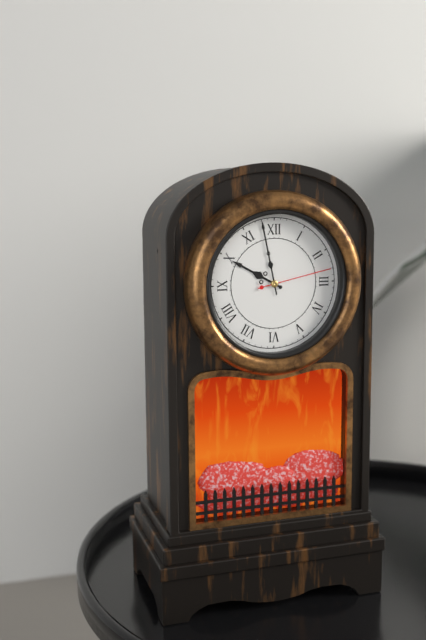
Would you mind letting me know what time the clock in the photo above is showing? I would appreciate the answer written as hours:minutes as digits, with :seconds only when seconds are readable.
9:58:13
